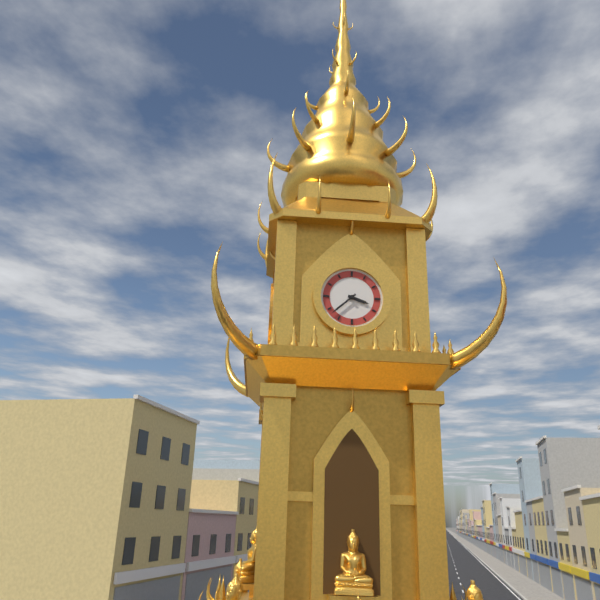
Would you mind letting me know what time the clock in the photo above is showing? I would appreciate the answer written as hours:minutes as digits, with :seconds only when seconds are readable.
3:38
